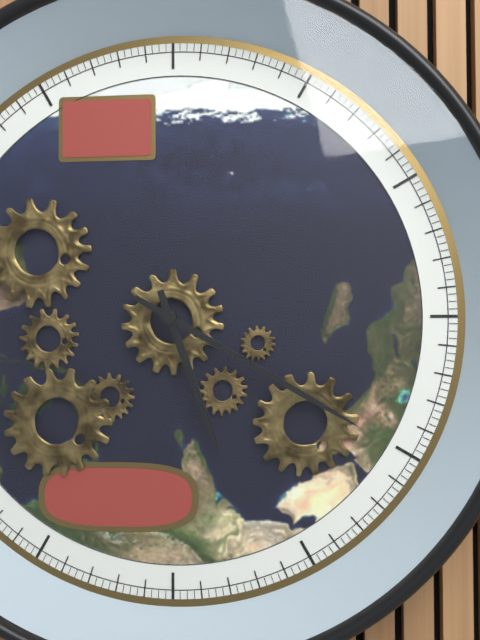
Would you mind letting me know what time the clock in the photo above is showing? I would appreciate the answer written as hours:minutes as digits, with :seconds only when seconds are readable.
5:20
